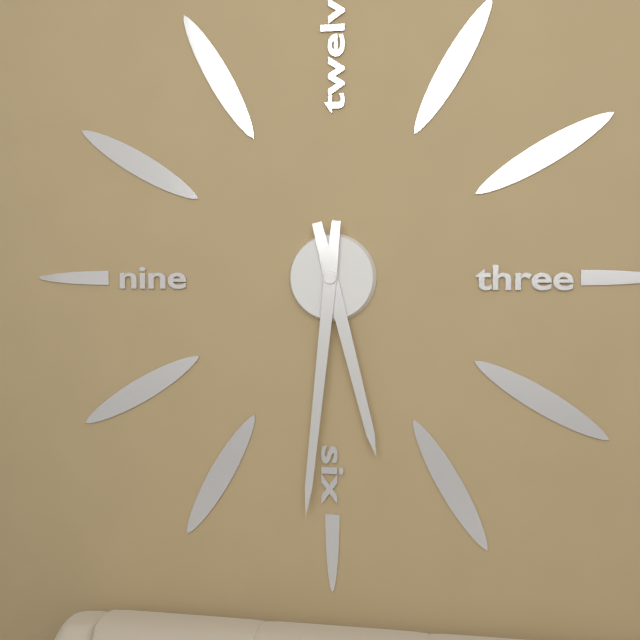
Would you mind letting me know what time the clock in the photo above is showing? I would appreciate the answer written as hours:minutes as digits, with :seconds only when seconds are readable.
5:31
